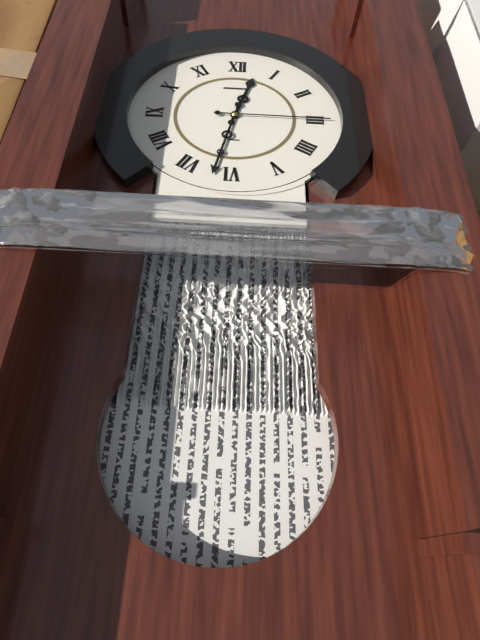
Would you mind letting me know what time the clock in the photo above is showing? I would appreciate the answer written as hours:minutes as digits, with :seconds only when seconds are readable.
12:32:15
